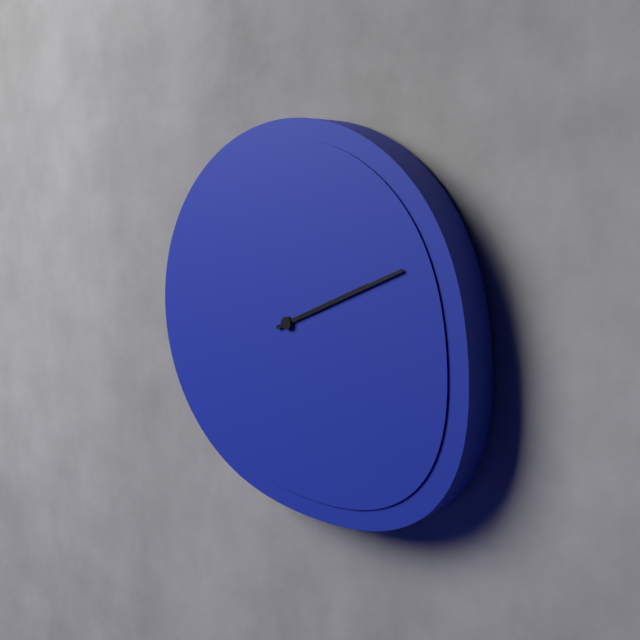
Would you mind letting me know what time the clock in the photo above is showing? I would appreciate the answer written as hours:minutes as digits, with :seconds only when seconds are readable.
2:11
